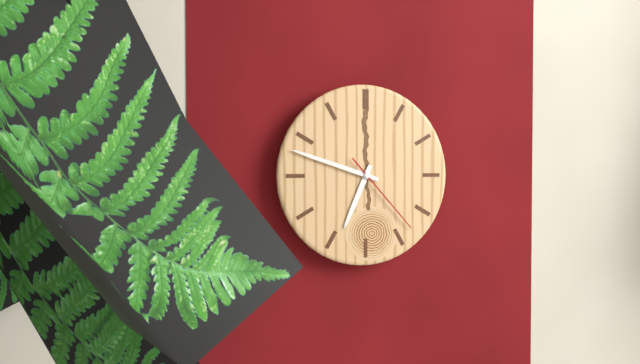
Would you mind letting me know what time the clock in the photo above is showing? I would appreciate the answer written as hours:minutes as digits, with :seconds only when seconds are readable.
6:48:23
